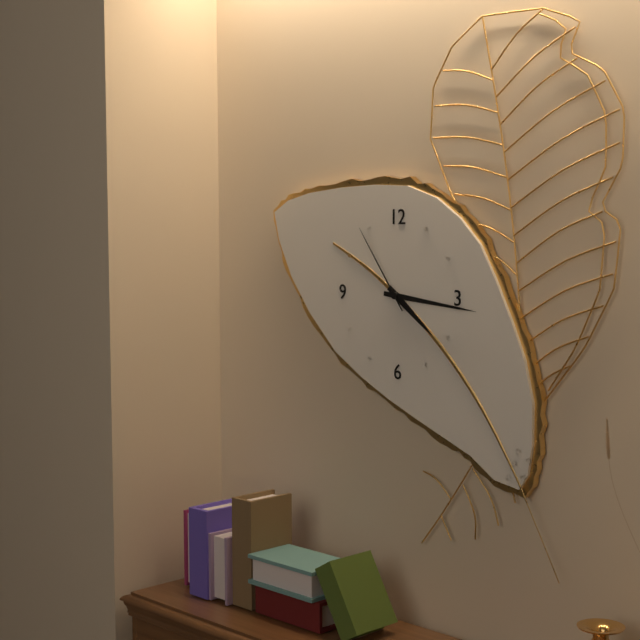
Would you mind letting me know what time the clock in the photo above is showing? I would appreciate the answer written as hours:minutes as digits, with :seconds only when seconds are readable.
4:16:54
